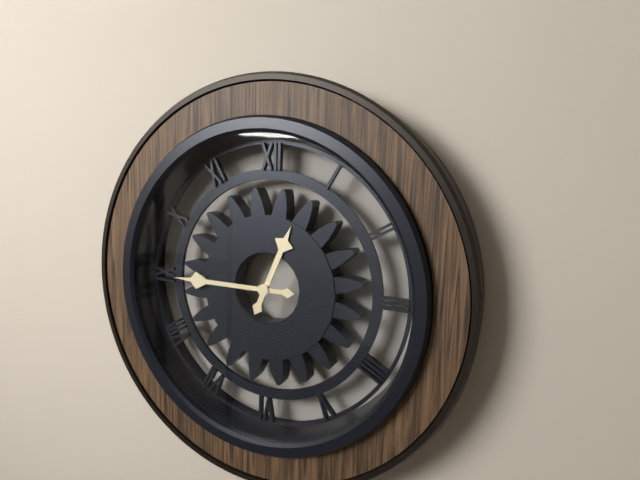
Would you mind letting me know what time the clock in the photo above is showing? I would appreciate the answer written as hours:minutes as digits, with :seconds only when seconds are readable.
12:45
